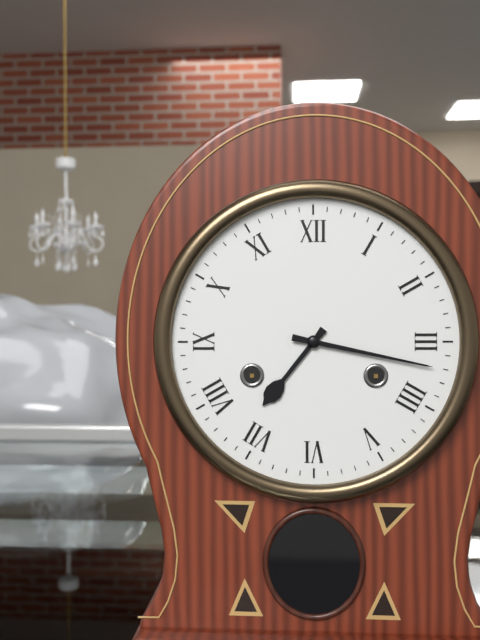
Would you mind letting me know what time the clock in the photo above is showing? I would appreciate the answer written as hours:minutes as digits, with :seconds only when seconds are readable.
7:17
